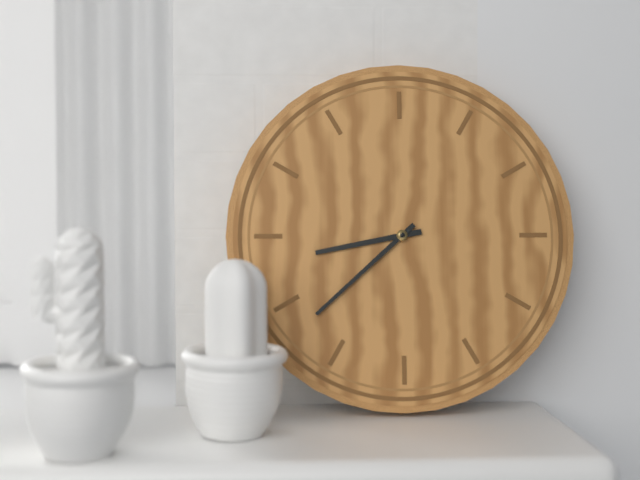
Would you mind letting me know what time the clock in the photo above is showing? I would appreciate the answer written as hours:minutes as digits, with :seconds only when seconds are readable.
8:38
